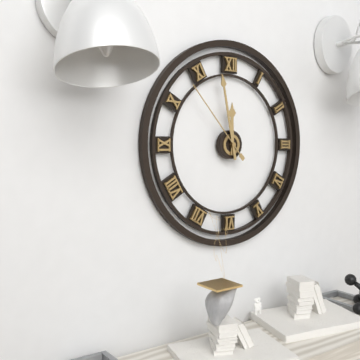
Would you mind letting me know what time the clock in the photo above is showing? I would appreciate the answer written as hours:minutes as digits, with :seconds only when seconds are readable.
11:58:53
